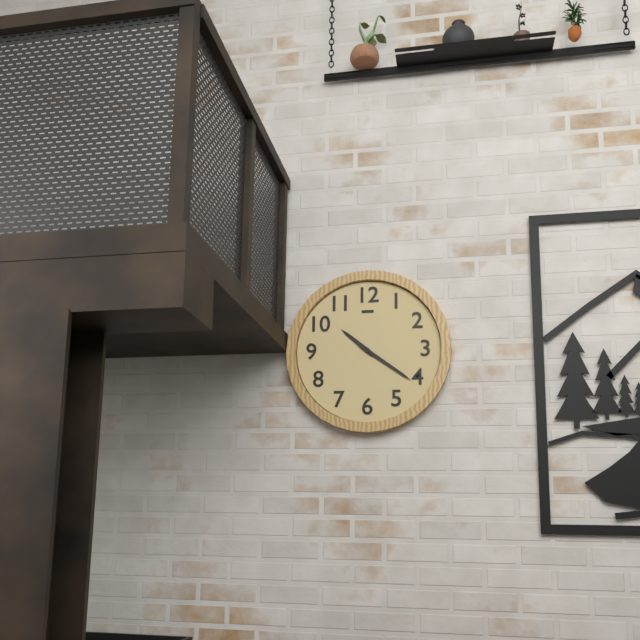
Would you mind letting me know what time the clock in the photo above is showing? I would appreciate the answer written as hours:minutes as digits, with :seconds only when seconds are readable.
10:21
